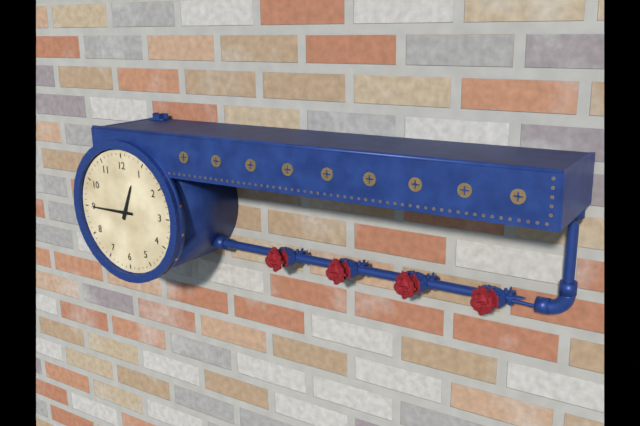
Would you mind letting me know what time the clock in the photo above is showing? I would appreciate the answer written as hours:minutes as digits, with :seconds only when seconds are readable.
12:45
